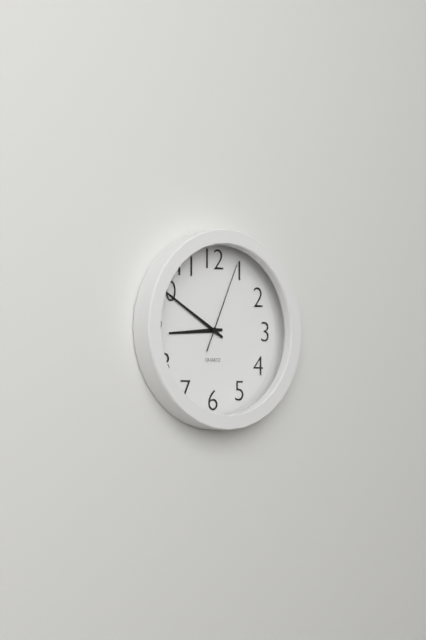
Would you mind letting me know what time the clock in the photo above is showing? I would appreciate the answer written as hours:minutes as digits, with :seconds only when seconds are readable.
8:50:04
